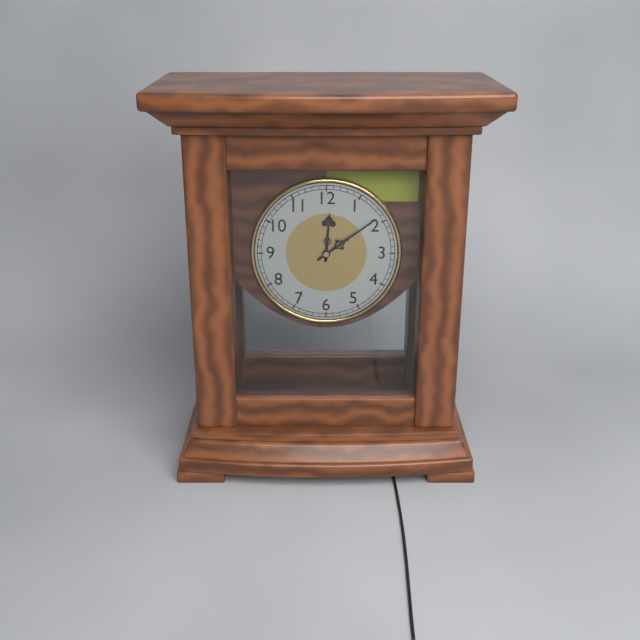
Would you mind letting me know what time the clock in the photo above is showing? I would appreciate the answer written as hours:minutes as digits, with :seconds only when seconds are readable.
12:09
